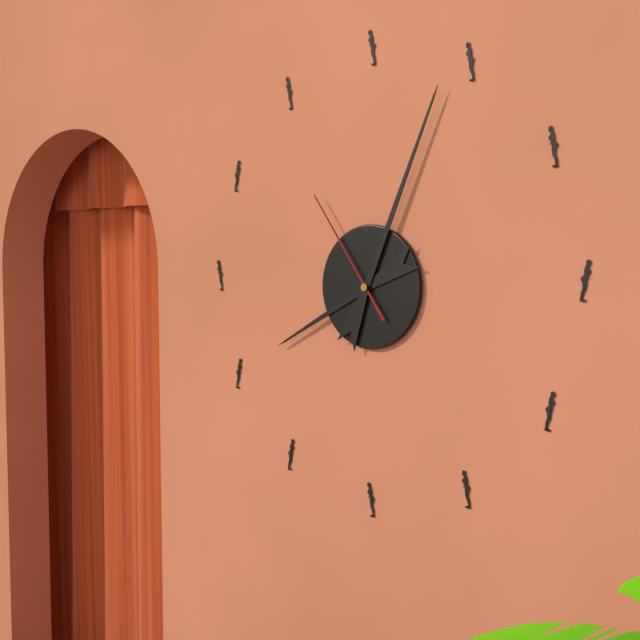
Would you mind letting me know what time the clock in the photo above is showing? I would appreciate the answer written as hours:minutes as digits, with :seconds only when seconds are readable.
8:04:54
